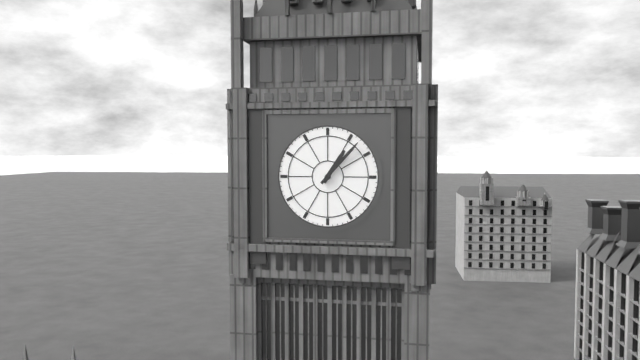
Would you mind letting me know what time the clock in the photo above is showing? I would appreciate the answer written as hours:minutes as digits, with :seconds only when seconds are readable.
1:07
